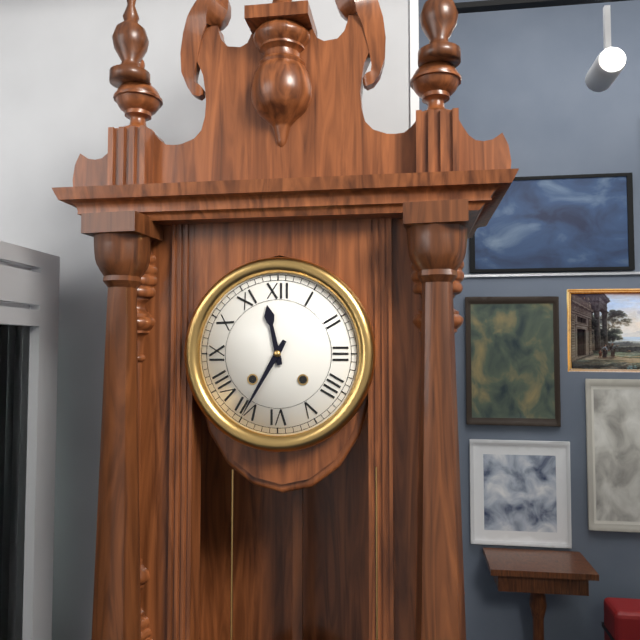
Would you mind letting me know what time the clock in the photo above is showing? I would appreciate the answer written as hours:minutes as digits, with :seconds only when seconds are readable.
11:35
